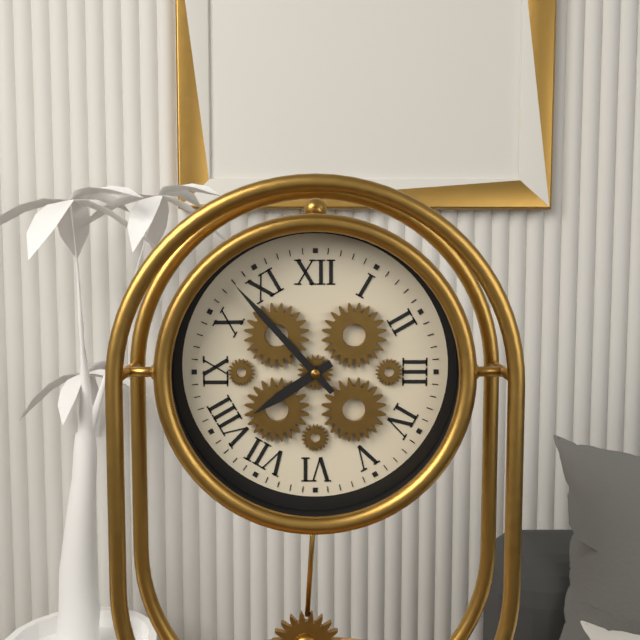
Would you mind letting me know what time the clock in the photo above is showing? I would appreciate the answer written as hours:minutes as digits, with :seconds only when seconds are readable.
7:53
